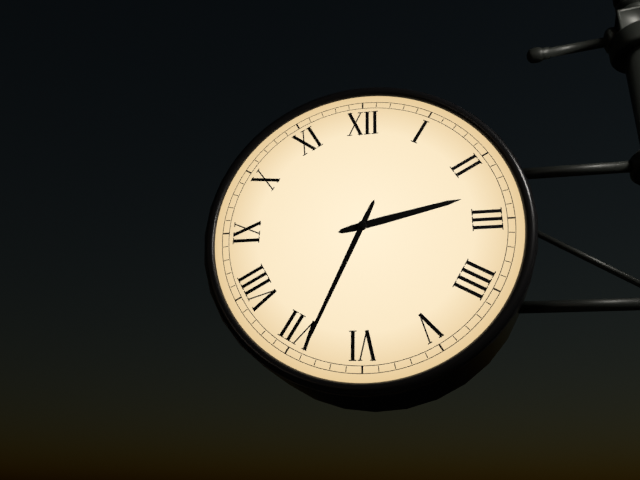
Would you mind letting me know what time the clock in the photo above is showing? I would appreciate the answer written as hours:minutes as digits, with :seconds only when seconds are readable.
2:34
